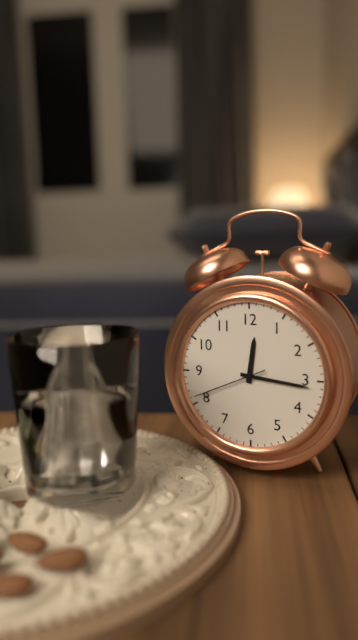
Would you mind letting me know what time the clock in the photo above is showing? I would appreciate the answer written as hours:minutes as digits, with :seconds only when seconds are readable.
12:16:41
